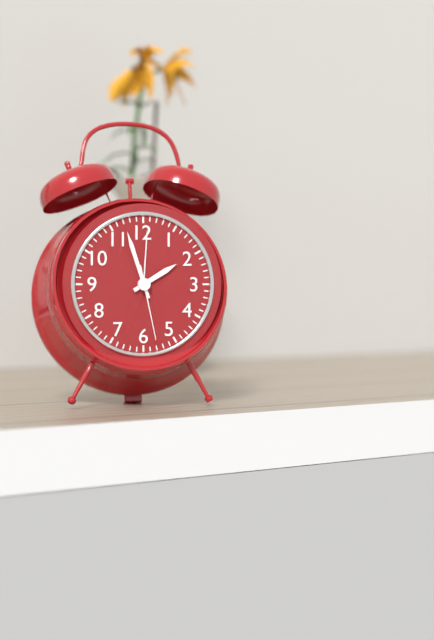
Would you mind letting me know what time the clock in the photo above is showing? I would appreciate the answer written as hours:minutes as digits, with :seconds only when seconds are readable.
1:57:28
